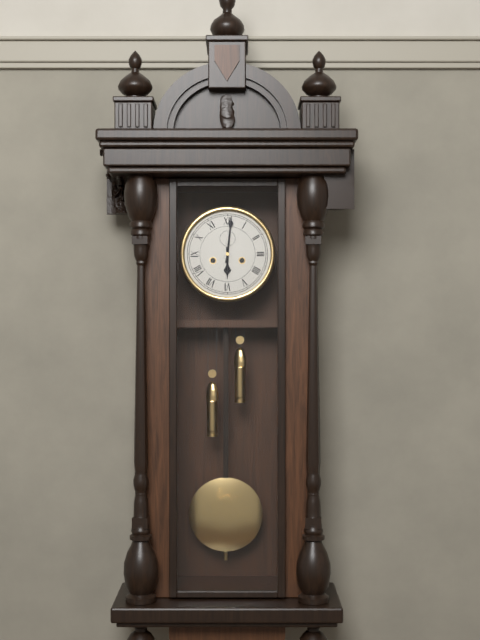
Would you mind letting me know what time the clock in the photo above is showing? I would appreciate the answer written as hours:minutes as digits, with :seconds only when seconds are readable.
6:01
